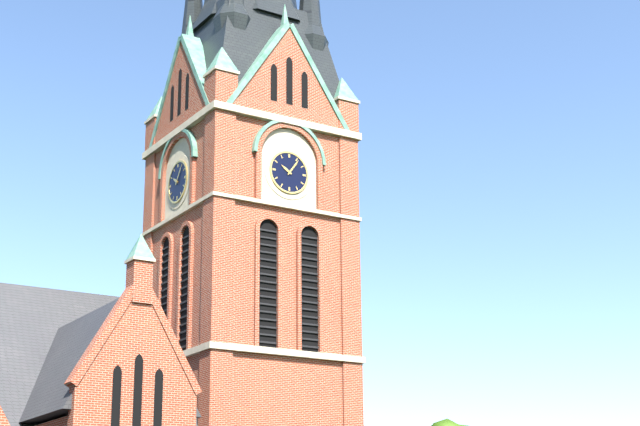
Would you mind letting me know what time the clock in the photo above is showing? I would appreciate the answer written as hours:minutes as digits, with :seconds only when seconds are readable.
10:06
